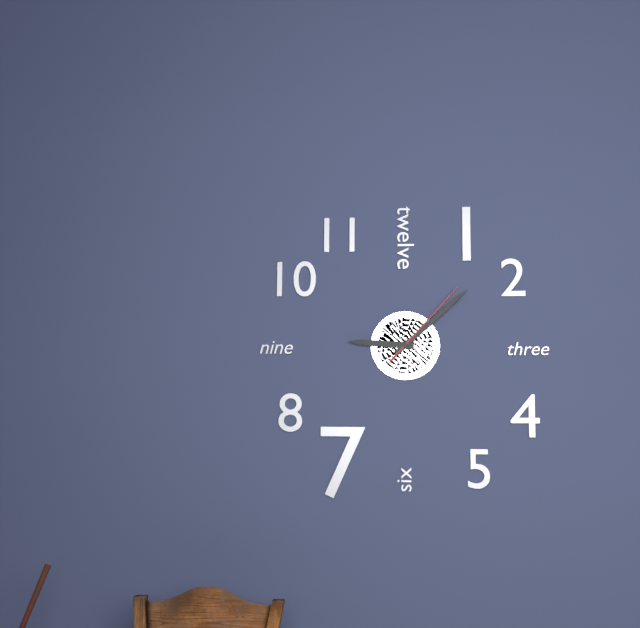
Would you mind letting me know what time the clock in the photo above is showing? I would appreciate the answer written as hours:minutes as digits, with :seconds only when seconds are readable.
9:08:07
